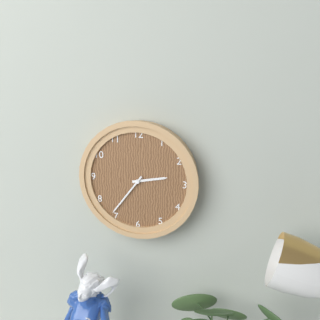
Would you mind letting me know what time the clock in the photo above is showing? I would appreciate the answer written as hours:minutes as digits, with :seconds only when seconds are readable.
2:36
